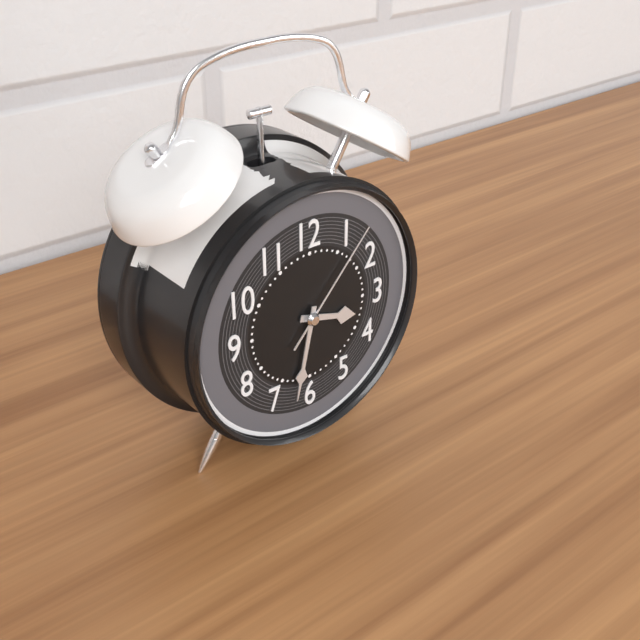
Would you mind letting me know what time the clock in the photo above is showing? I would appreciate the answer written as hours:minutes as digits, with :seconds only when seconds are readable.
3:32:07
